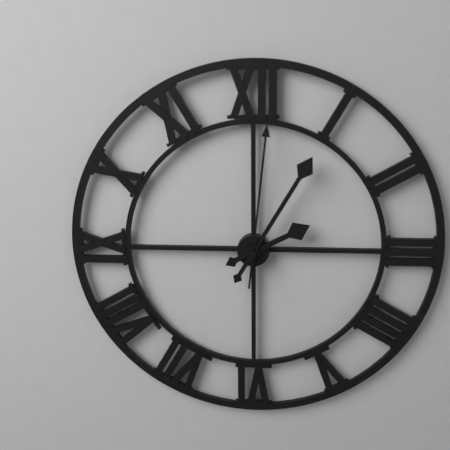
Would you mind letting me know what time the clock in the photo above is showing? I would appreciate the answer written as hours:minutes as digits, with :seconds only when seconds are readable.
2:05:01
